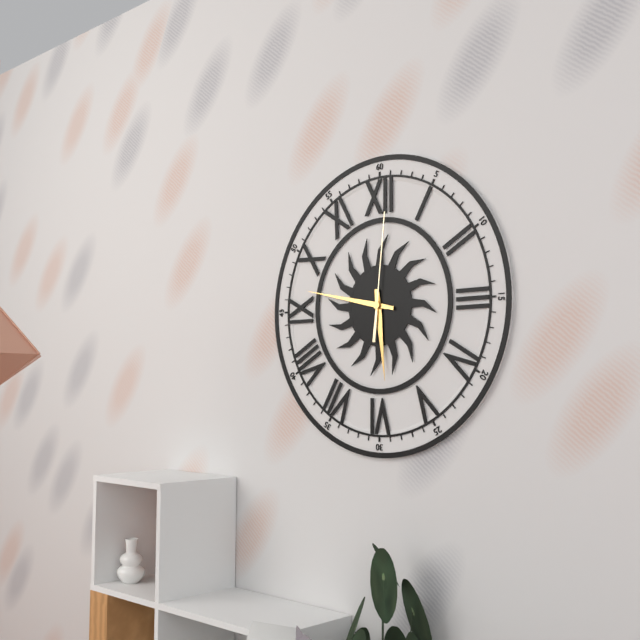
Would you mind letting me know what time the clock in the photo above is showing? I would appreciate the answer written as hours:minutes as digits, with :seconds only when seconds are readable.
5:47:01
